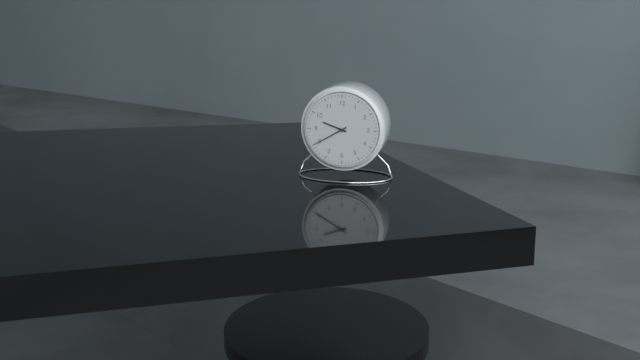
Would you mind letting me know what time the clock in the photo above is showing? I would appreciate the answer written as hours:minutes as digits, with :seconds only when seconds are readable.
9:40
